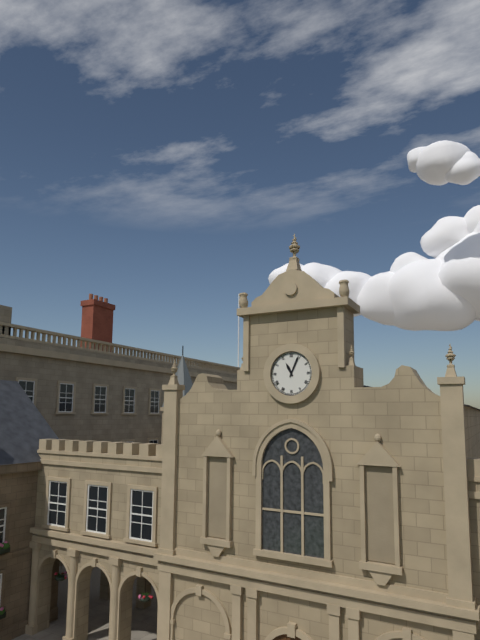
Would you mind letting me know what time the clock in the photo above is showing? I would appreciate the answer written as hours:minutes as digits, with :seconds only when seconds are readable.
11:04
